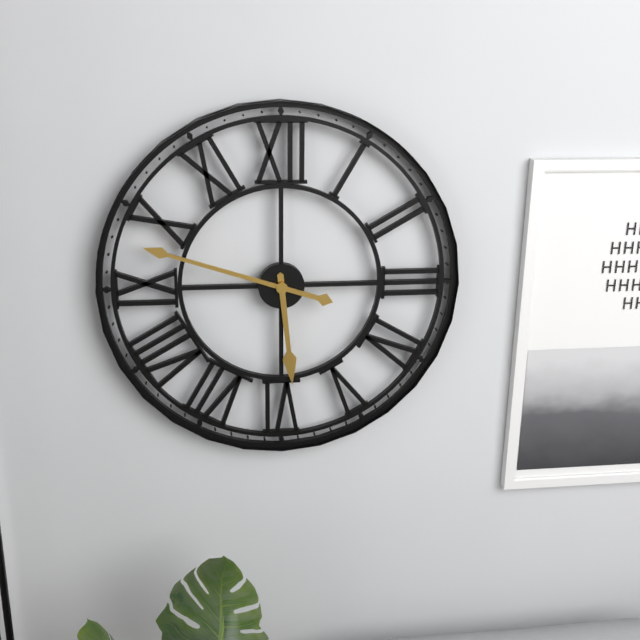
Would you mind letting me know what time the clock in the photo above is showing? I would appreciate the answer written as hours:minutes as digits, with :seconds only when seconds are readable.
5:48
